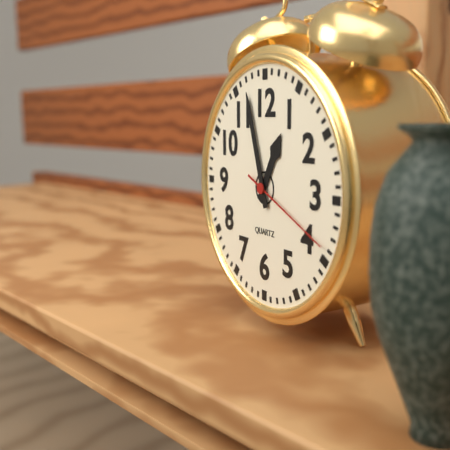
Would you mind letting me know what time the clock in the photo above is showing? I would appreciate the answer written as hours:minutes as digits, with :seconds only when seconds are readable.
12:57:19
